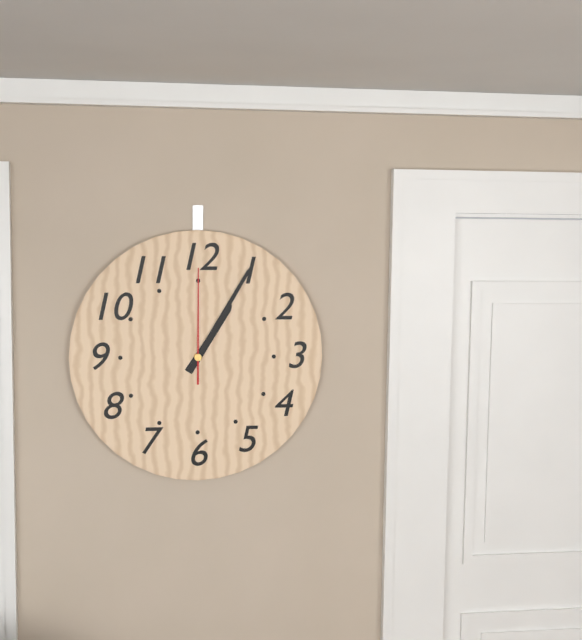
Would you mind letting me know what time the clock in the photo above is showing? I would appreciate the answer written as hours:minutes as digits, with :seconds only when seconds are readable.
1:05:00
